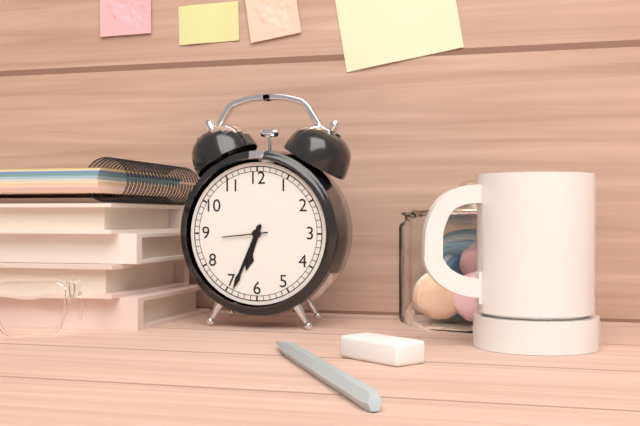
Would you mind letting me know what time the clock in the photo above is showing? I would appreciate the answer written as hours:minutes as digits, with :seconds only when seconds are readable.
6:34
